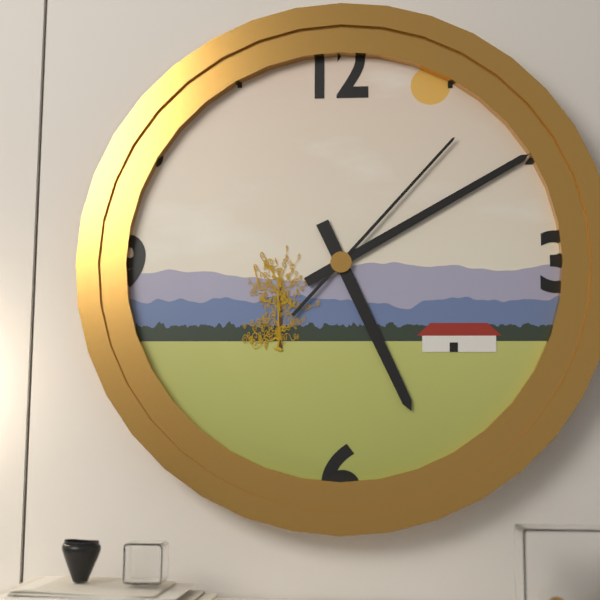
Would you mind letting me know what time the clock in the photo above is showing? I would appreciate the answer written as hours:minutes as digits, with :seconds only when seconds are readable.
5:10:07
